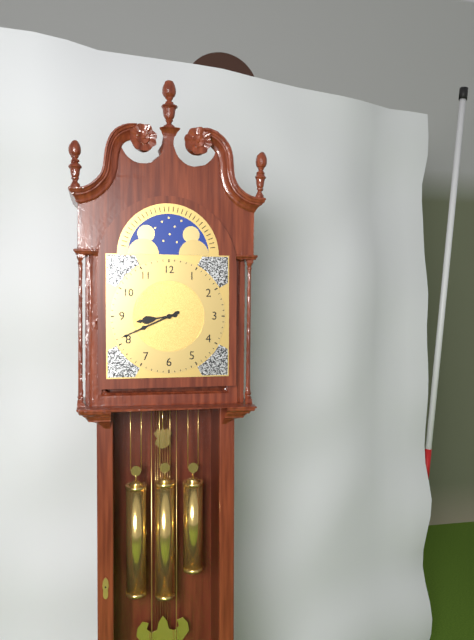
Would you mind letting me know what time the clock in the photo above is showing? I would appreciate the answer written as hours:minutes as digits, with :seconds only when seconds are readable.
8:41
